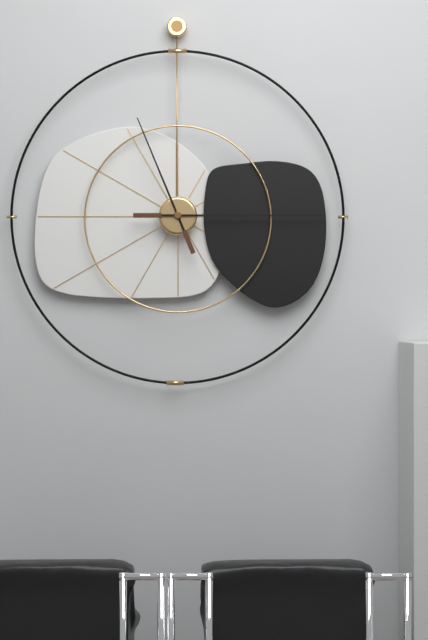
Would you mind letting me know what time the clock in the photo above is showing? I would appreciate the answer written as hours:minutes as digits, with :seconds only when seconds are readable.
11:15
